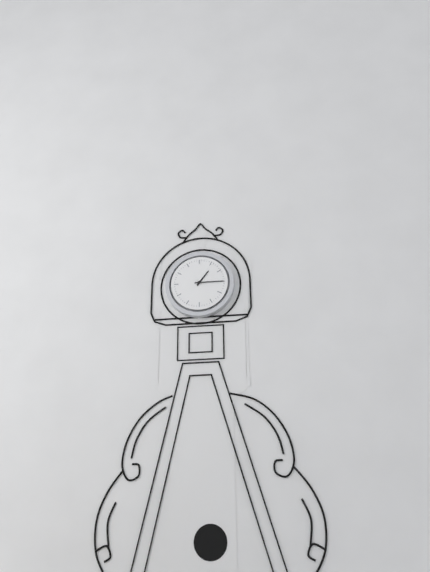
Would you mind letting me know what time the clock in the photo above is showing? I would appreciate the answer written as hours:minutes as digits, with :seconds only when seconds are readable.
1:15
